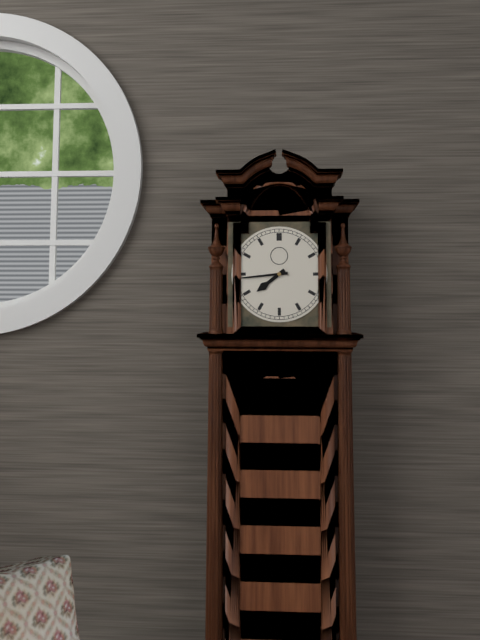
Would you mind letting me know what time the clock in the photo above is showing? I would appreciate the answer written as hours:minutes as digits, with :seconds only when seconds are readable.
7:44
